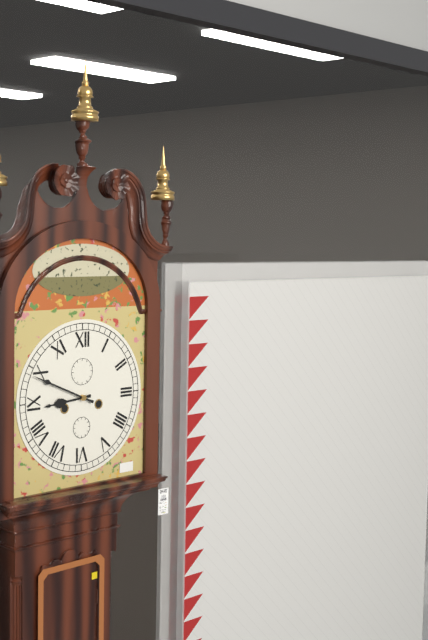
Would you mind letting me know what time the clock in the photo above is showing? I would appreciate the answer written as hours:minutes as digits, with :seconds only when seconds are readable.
8:49
